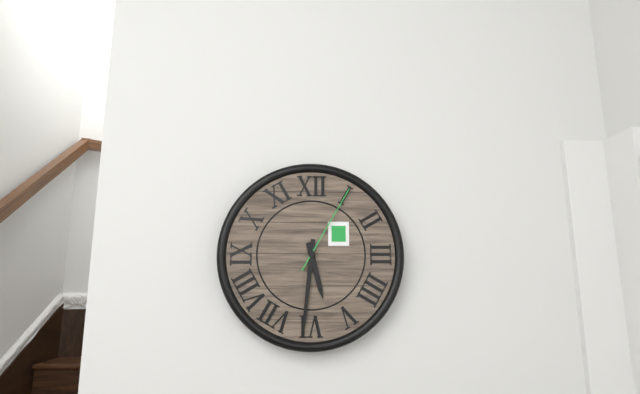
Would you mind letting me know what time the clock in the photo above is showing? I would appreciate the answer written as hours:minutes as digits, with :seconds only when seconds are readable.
5:31:05
